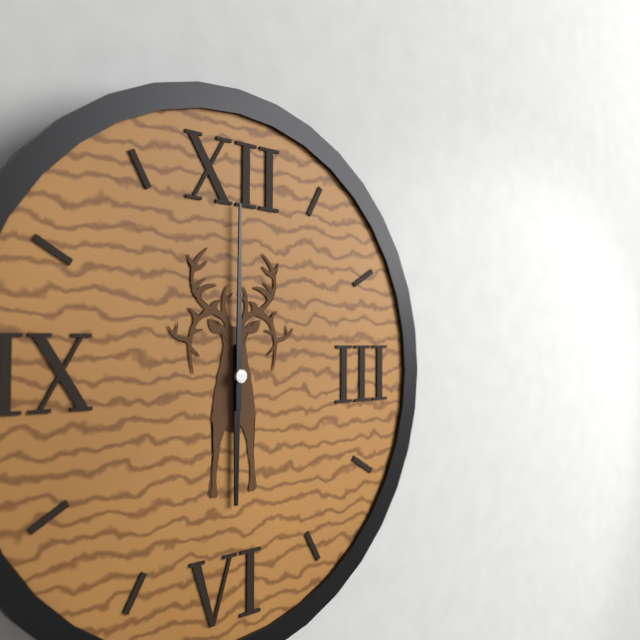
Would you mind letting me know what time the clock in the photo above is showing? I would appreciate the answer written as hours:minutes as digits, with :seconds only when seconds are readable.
6:00
